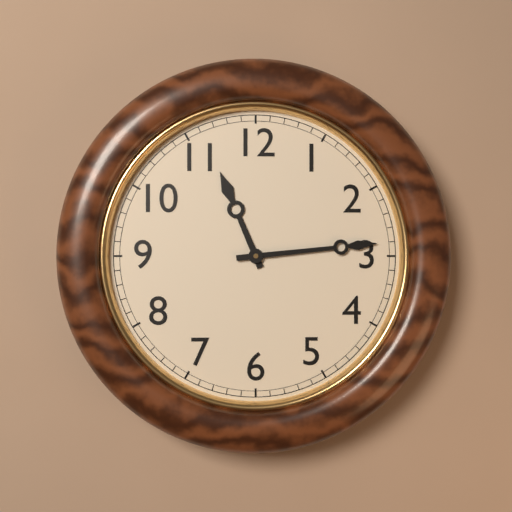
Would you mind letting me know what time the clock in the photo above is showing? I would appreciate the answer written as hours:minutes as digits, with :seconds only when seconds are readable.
11:14
